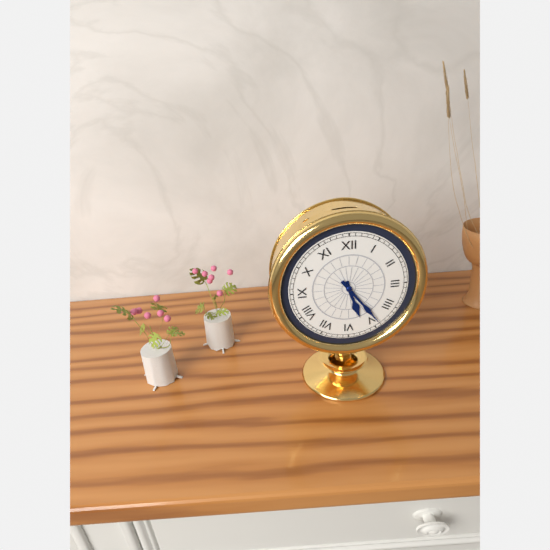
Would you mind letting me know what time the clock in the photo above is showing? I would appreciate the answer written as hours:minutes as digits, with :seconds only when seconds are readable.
5:24
